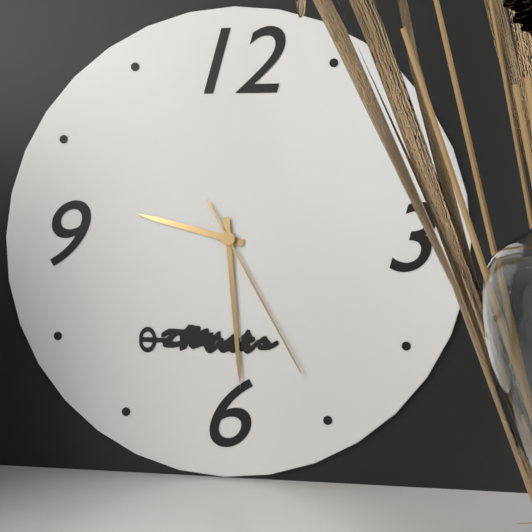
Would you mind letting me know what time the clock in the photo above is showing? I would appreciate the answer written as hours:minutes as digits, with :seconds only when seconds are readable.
9:29:25
